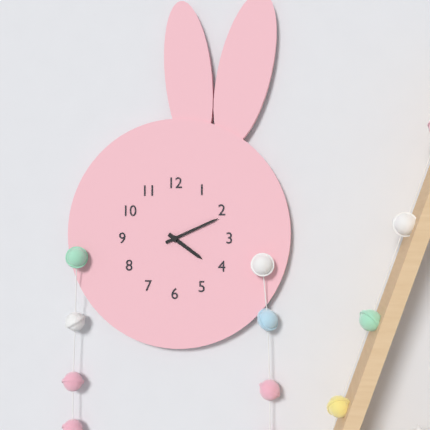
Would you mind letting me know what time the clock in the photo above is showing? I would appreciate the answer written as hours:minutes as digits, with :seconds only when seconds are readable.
4:11
